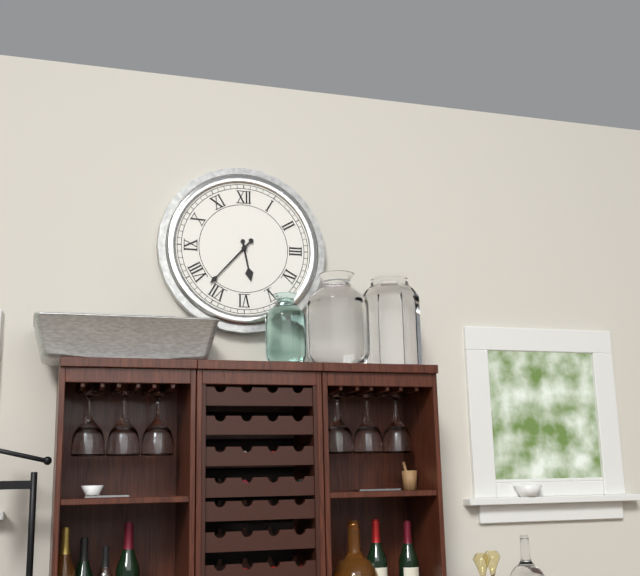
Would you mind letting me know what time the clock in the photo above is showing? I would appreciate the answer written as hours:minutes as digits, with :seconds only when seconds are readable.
5:37
